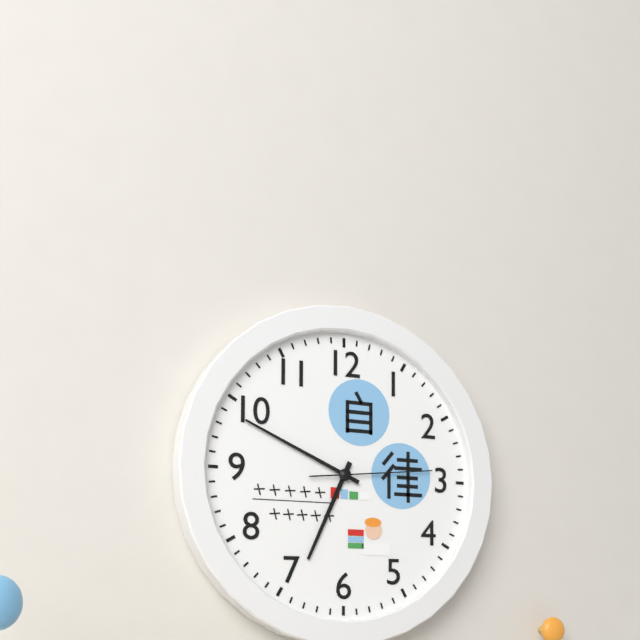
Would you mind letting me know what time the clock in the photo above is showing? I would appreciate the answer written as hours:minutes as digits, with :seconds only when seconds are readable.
6:49:14
